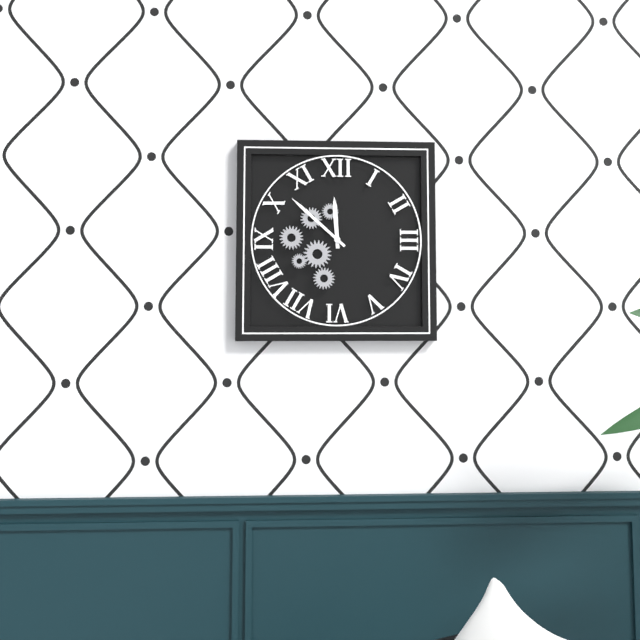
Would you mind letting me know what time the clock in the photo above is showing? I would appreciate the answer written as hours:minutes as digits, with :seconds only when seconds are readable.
11:52
